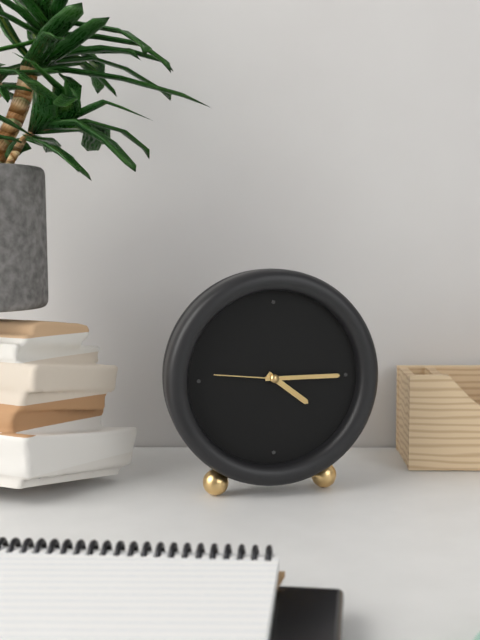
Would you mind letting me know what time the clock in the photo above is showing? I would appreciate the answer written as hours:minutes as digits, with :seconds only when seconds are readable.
4:15:46
